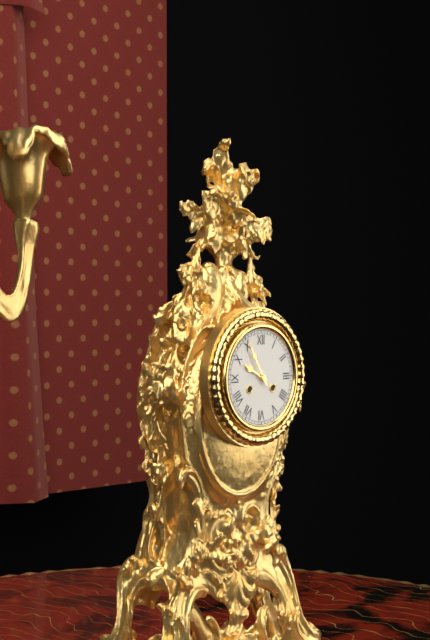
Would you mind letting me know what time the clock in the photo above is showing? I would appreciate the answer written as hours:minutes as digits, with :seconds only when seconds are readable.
9:55
